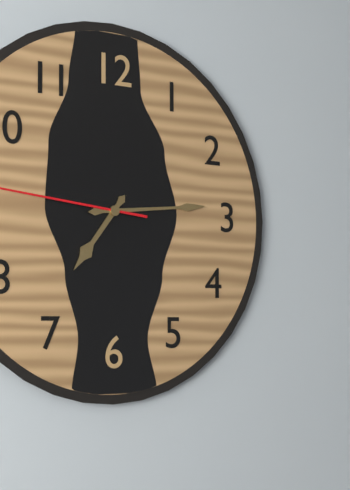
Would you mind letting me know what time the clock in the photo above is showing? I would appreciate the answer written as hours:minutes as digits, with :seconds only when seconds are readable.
7:14
